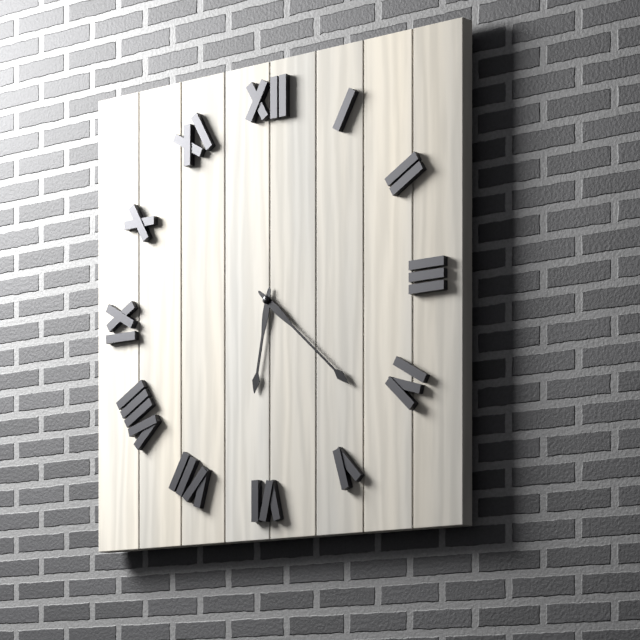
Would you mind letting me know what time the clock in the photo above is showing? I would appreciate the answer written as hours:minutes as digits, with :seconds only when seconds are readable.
6:22
